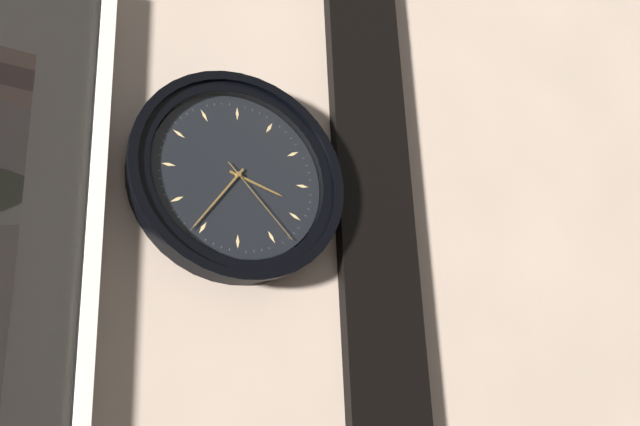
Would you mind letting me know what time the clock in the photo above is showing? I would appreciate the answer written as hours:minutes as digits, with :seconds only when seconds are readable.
3:36:23
